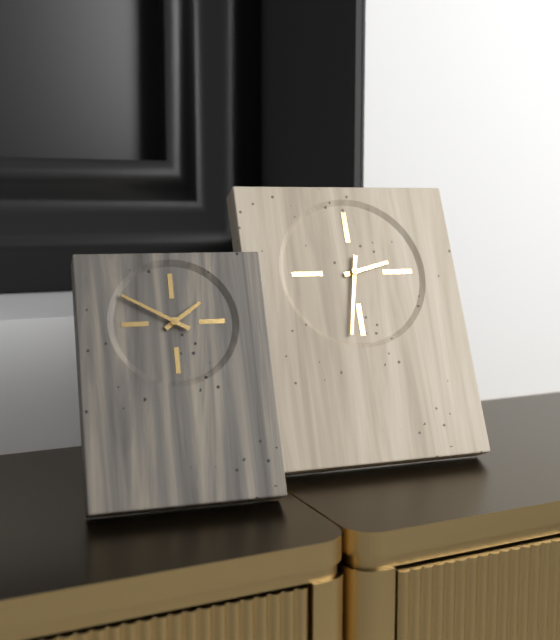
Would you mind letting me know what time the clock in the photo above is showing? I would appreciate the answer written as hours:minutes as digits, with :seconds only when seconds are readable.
2:32
